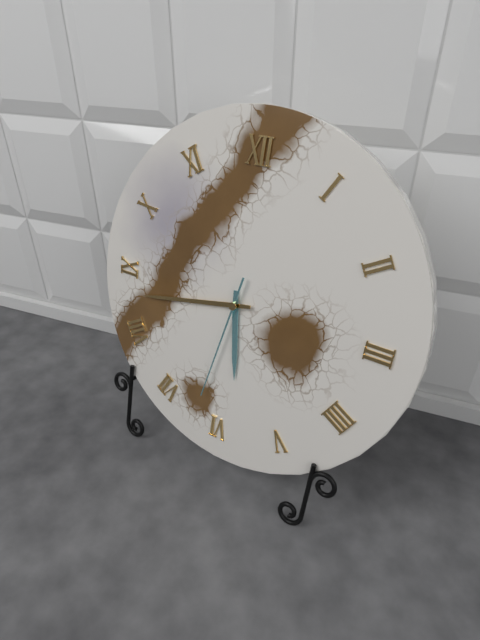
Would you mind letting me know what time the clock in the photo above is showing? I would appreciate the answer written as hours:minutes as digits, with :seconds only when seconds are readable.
5:43:32
